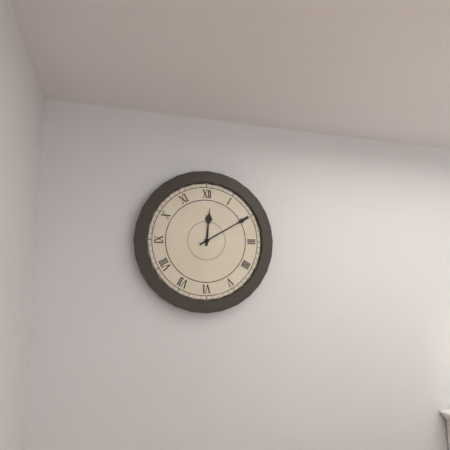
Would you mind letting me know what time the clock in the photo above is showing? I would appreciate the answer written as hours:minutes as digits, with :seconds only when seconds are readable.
12:10
